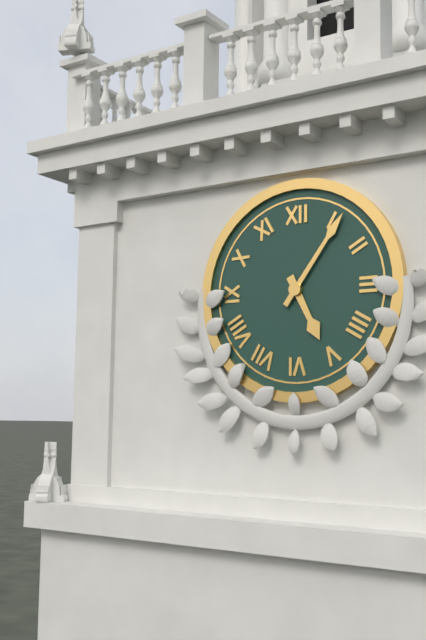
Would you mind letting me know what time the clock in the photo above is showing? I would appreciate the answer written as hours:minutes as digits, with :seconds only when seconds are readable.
5:06
